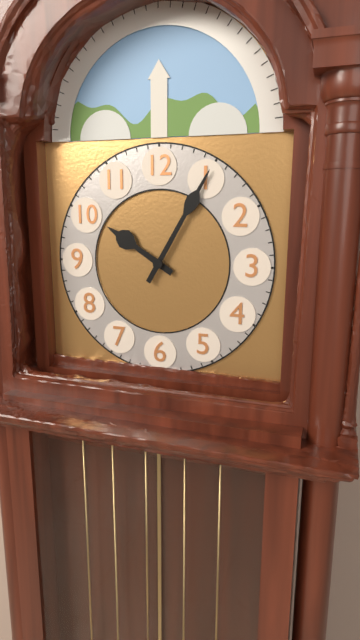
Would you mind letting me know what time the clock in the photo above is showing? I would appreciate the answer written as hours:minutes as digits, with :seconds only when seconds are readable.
10:05
